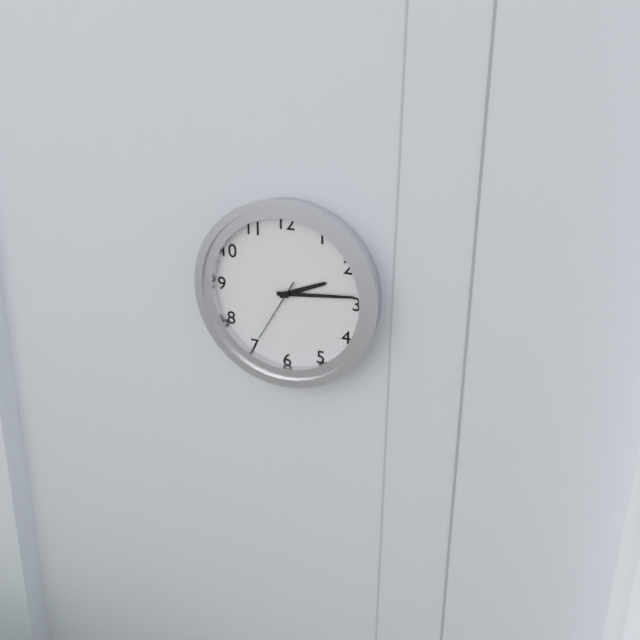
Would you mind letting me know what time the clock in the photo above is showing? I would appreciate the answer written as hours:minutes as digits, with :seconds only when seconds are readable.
2:14:35
